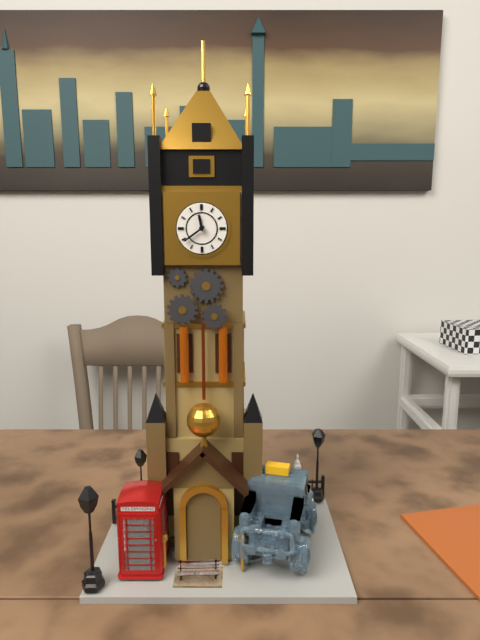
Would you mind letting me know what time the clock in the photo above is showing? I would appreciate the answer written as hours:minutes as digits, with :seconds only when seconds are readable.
11:39
